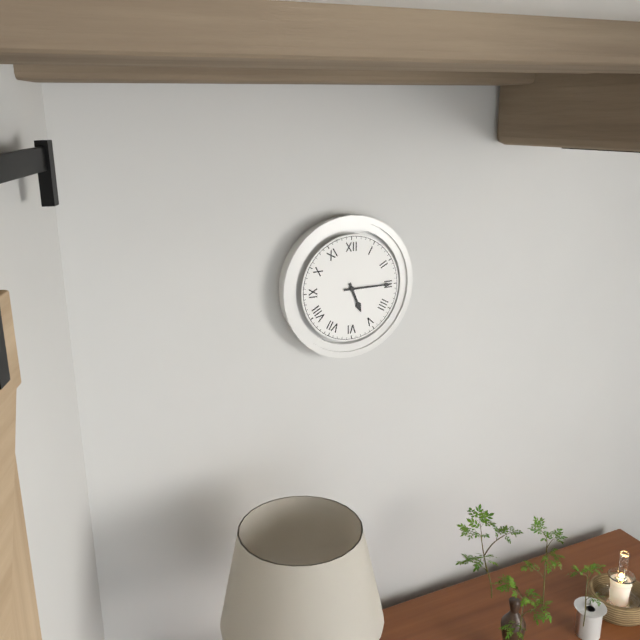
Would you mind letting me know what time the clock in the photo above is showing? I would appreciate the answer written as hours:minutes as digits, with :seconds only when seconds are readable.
5:15
